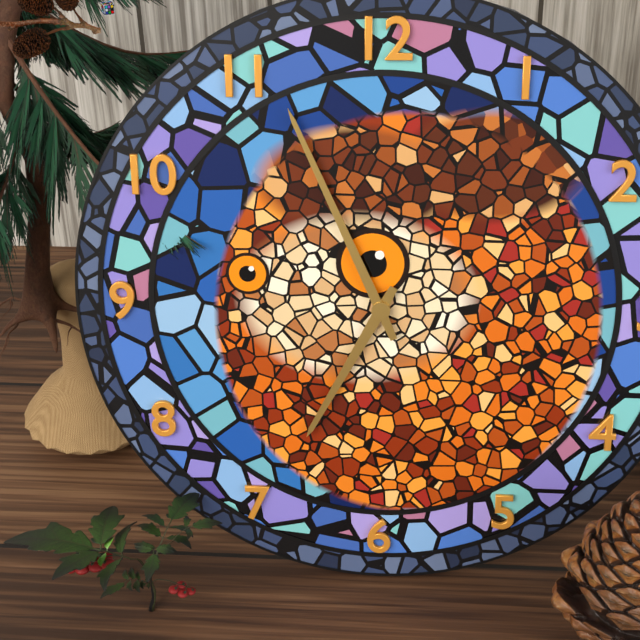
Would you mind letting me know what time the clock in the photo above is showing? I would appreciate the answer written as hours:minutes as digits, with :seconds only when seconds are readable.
6:56
